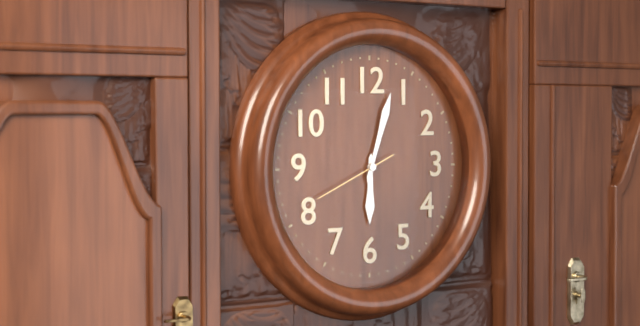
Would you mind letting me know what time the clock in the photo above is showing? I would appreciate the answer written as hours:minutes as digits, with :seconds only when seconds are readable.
6:03:41
